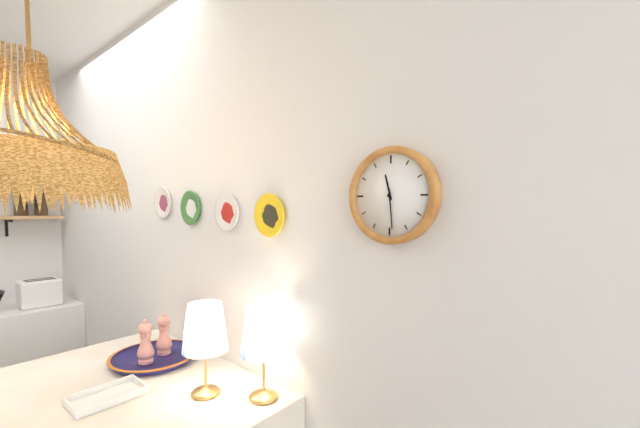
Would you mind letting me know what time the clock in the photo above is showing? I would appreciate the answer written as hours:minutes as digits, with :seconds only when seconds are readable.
11:29
